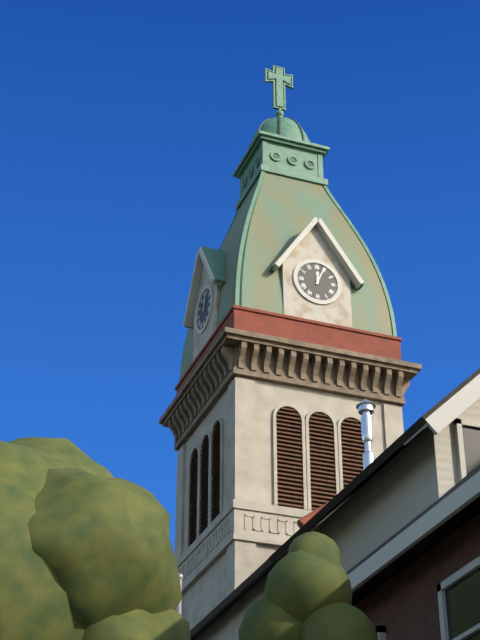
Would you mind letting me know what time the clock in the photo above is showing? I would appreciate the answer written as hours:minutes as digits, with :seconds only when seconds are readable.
12:04
